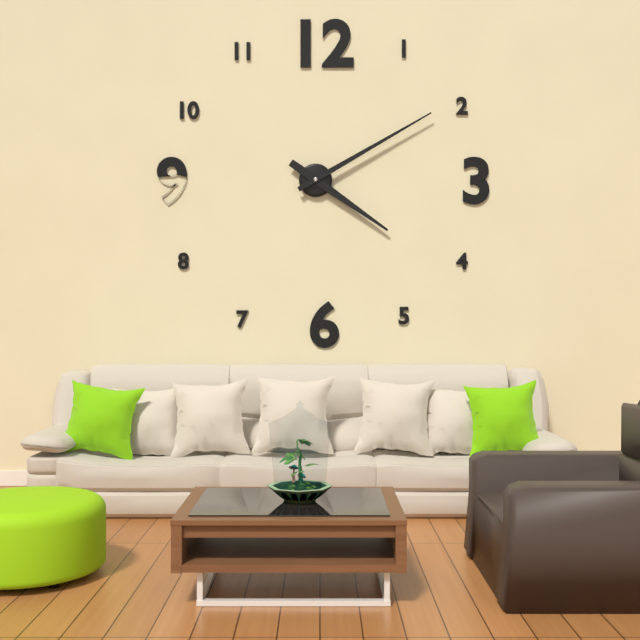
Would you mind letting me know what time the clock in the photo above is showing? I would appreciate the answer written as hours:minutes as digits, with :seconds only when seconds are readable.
4:10
